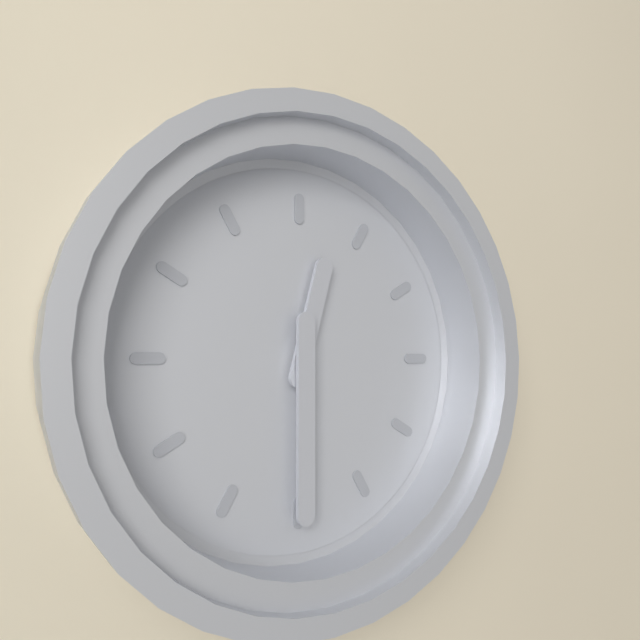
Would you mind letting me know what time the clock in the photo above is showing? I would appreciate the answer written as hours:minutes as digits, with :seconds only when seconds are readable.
12:30
